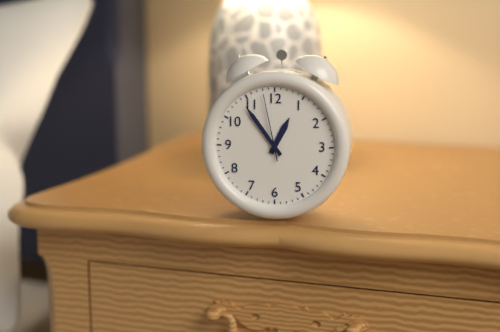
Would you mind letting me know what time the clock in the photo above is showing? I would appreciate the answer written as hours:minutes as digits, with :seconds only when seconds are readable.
12:54:58
